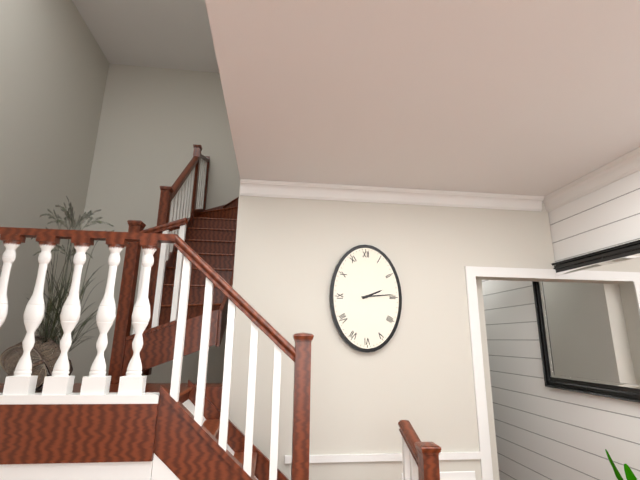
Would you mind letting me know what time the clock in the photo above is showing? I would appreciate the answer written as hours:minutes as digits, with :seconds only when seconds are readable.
2:14
